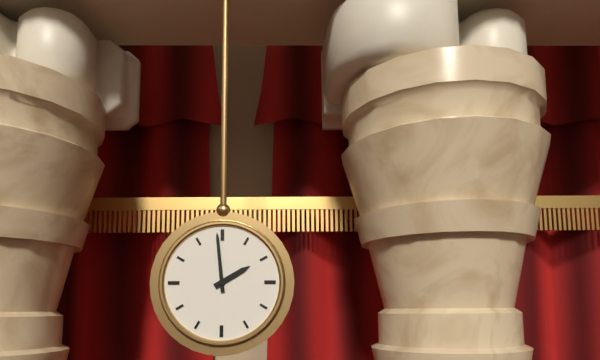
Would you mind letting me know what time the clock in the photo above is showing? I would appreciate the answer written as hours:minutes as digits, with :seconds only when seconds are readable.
1:59
